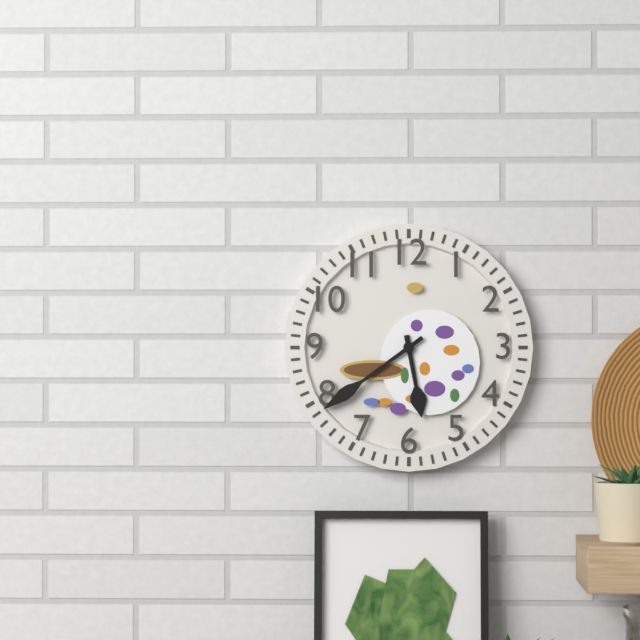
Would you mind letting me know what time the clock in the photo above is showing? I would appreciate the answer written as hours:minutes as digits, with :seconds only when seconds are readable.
5:39
